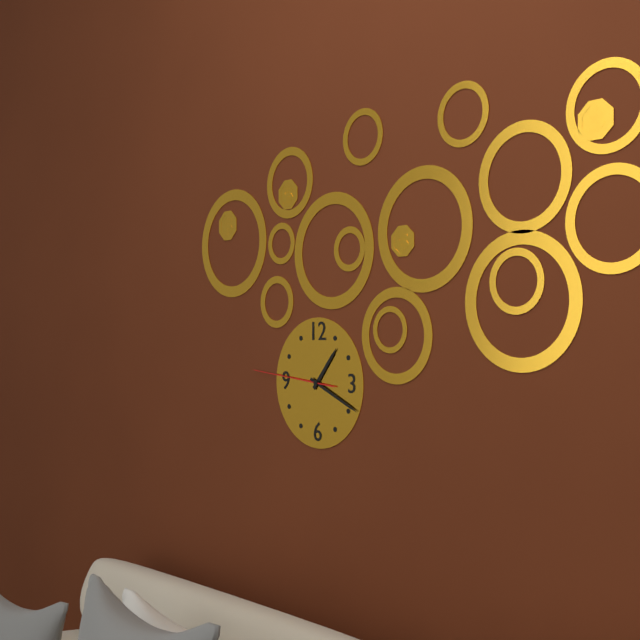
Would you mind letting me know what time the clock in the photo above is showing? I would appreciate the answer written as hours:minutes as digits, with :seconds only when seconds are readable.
1:19:46
